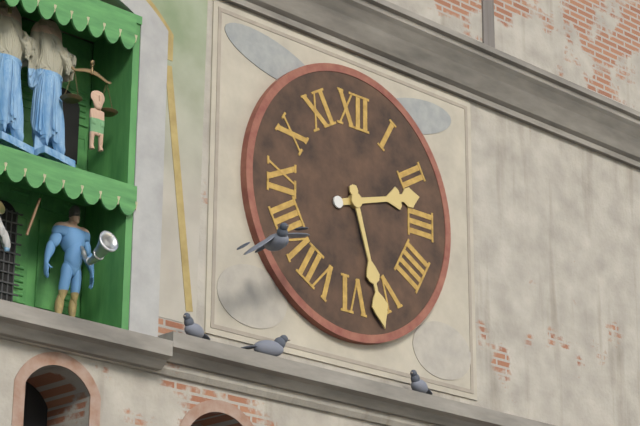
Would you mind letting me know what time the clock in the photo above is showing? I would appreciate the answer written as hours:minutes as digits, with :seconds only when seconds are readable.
2:27
